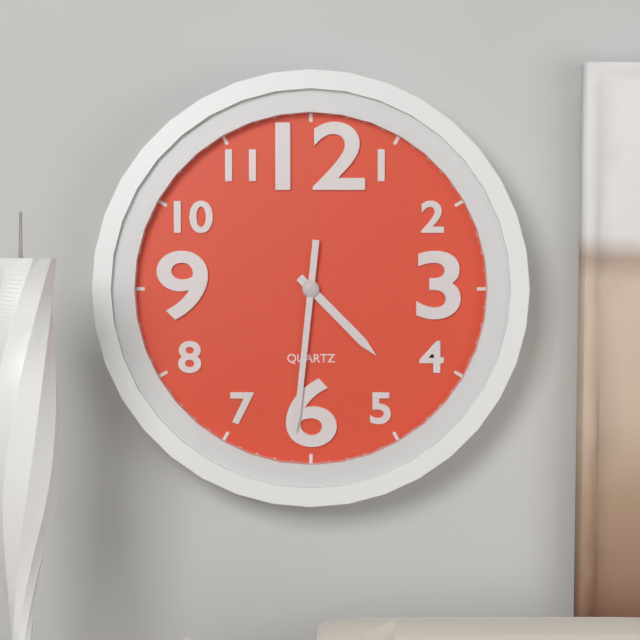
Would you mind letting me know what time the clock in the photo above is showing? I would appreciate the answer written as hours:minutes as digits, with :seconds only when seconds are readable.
4:31
